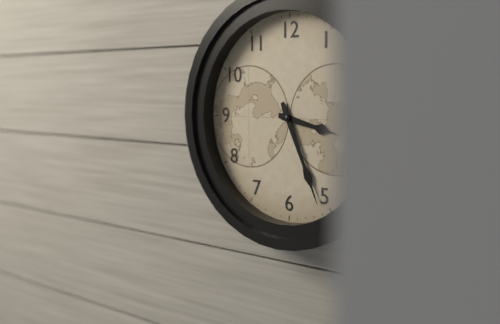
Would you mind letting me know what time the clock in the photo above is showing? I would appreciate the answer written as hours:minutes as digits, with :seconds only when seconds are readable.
3:26
